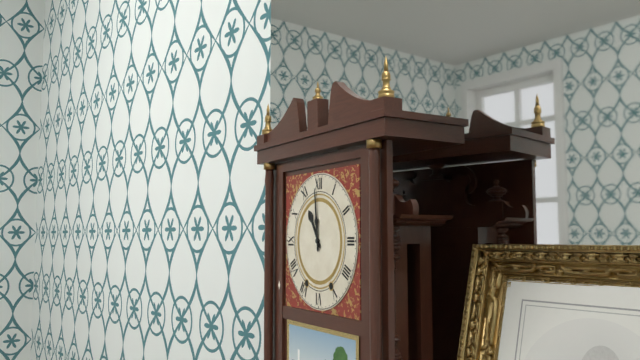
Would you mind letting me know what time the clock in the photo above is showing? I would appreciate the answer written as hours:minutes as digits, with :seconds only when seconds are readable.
10:59
